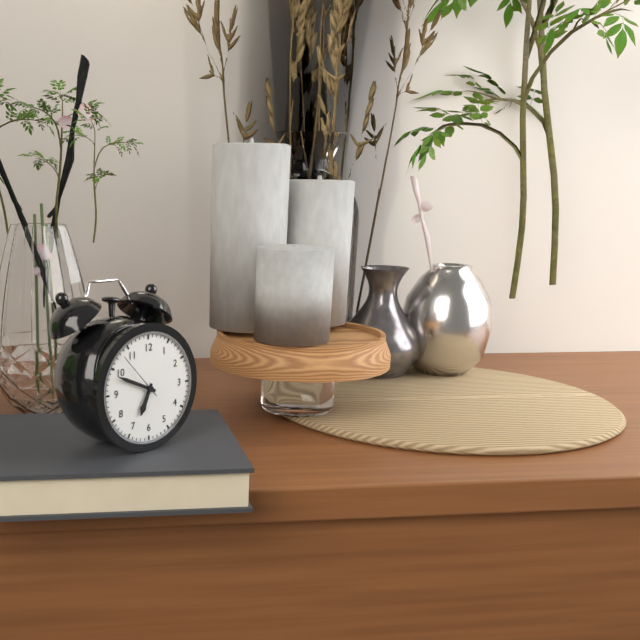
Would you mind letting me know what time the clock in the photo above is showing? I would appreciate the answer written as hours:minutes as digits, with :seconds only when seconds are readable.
6:49:53
